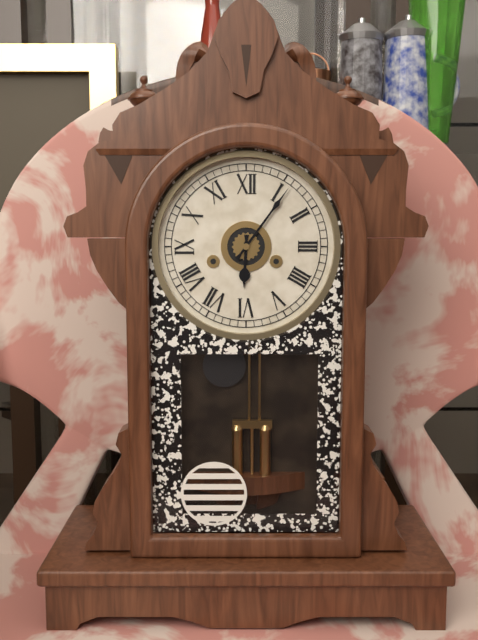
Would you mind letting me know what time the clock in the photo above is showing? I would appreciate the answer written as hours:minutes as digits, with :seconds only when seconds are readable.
6:06
